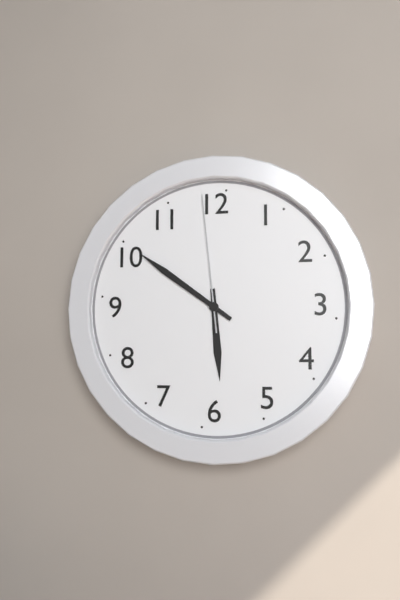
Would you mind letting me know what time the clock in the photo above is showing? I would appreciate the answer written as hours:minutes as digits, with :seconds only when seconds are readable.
5:51:59
